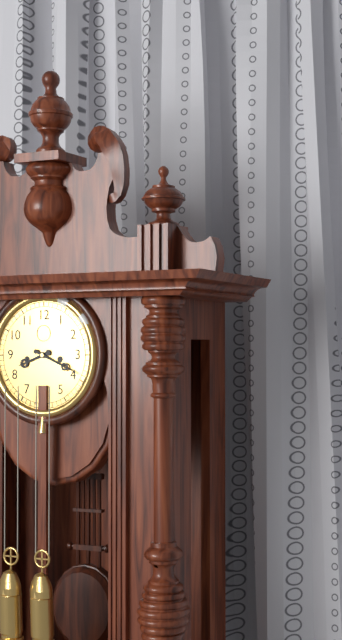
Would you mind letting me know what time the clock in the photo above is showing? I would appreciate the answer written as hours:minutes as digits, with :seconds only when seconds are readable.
8:19
